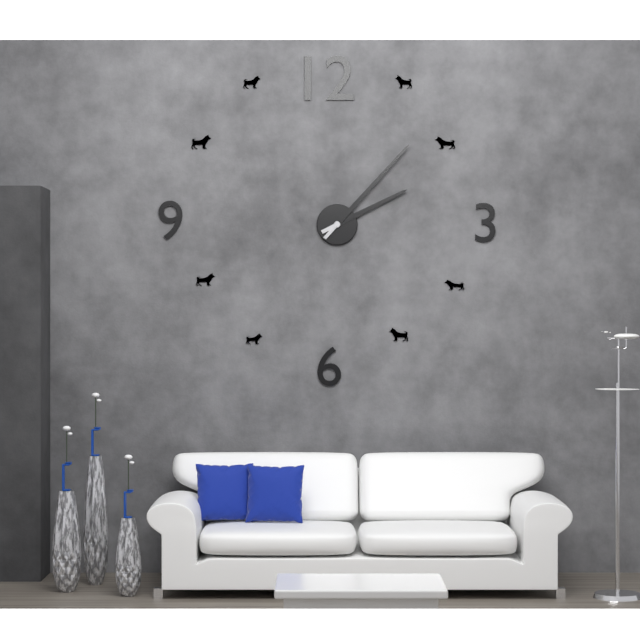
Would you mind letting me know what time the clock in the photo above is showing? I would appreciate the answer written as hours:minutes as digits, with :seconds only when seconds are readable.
2:07
